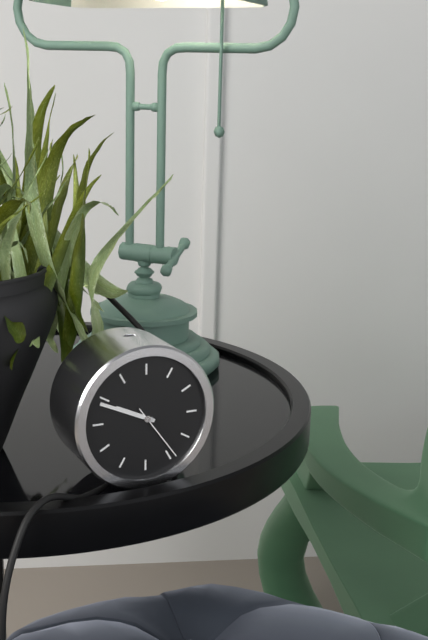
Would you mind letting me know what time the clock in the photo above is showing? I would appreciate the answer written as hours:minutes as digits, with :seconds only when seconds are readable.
9:49:24
